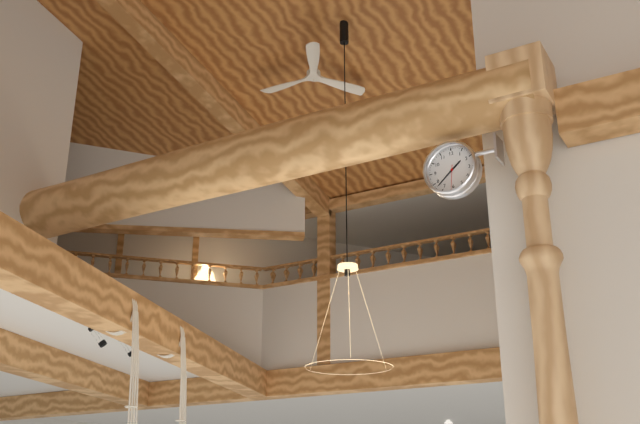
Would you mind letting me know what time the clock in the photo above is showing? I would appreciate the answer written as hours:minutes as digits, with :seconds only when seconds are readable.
1:38
